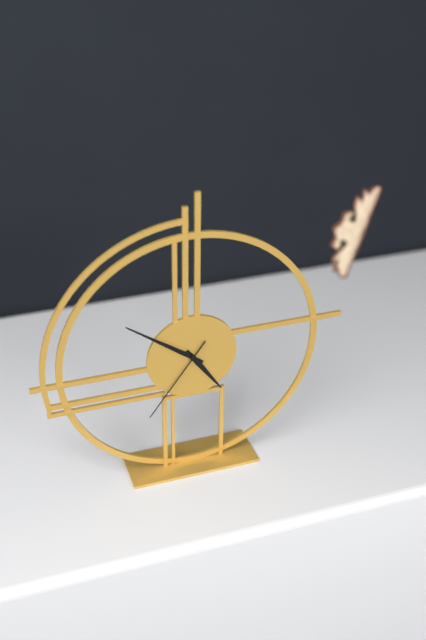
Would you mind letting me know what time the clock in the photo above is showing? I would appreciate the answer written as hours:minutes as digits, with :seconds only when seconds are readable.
4:51:36
